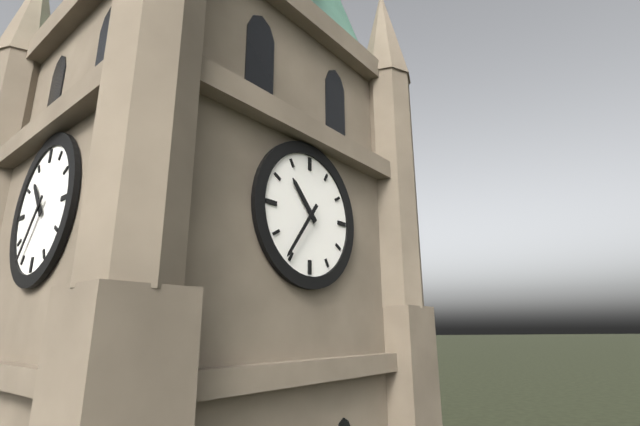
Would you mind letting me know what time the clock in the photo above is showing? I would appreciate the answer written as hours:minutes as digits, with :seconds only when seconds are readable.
10:36
